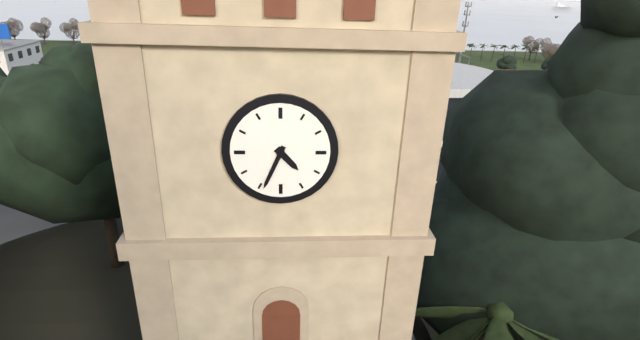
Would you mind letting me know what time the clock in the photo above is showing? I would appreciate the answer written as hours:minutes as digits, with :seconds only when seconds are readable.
4:34
